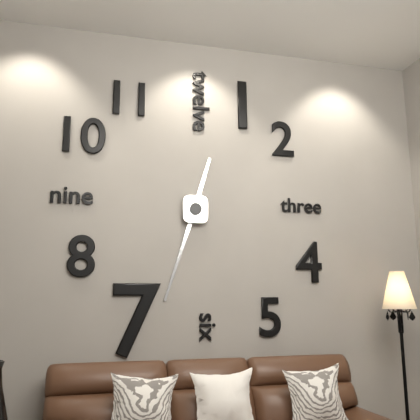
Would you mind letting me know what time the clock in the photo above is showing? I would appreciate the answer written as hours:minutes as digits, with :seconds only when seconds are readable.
12:33
